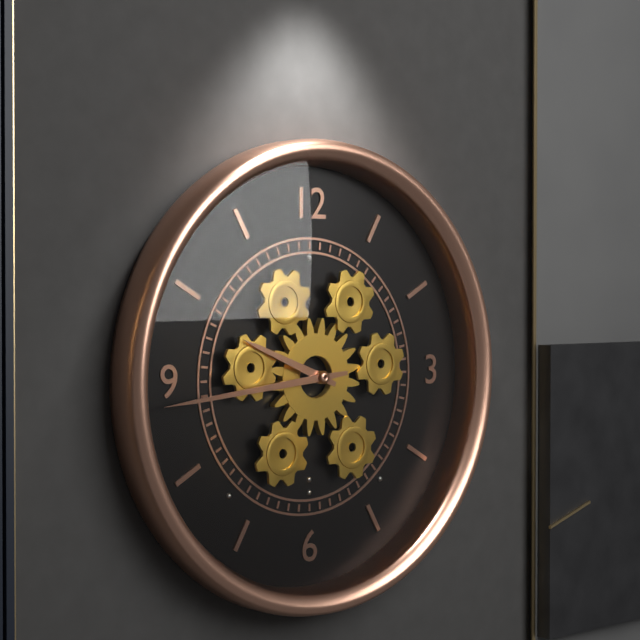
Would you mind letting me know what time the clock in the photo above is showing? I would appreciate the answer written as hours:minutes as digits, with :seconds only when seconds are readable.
9:44
